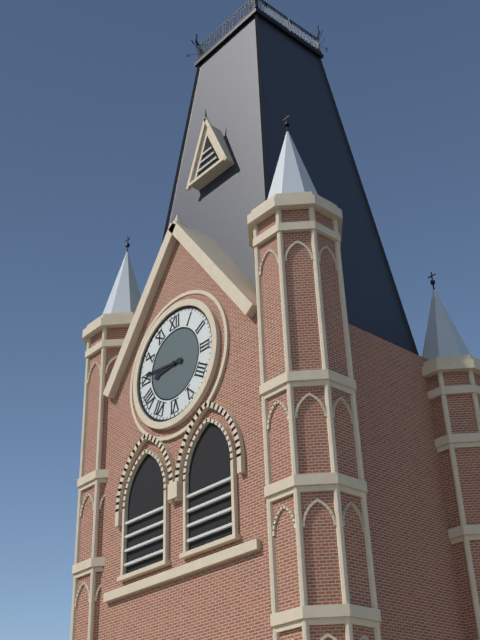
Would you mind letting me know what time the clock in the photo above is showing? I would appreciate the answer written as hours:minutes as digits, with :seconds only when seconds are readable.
8:46
